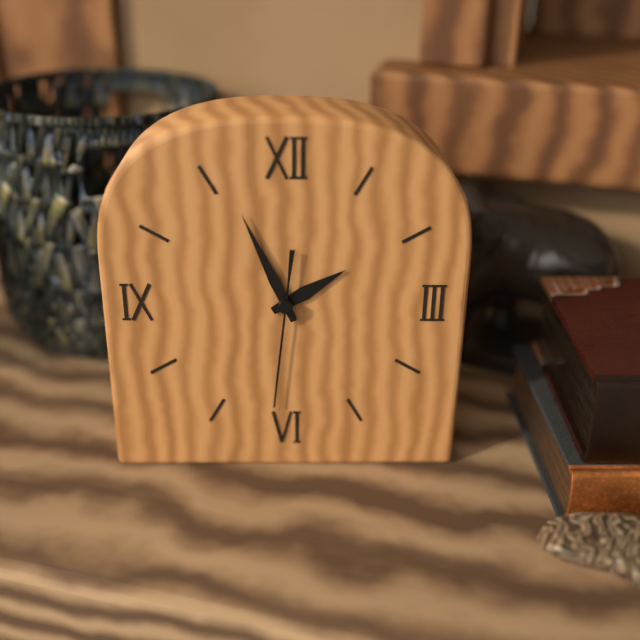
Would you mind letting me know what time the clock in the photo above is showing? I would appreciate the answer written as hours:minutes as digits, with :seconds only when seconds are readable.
1:56:31
